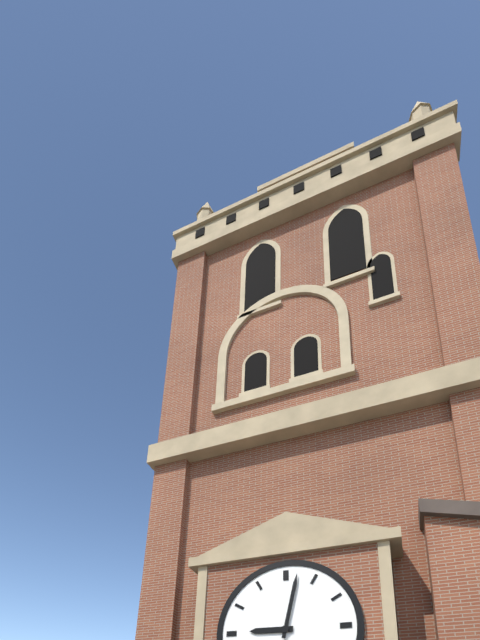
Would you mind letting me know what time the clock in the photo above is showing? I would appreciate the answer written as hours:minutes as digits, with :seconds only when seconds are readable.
9:02
